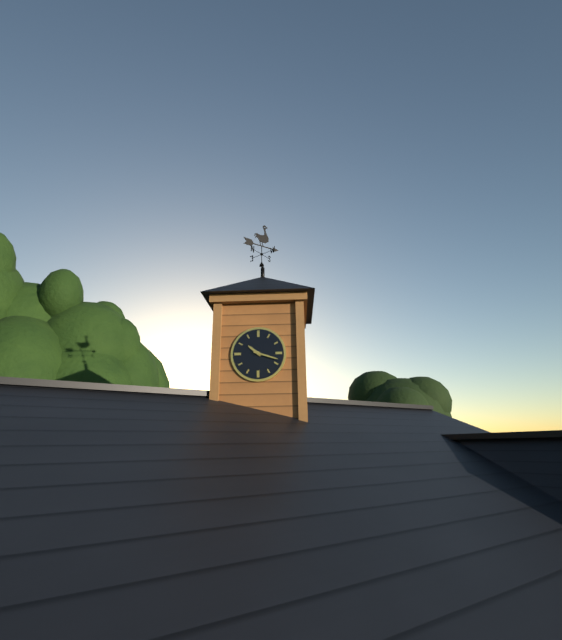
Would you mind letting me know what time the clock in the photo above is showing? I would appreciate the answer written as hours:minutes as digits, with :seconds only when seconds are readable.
10:18
